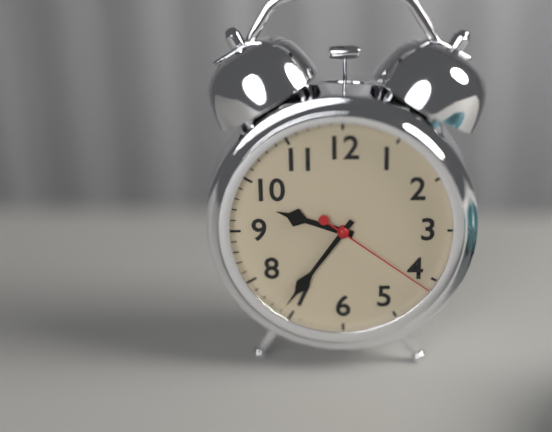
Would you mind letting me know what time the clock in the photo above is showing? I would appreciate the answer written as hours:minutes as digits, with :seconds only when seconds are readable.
9:36:21
